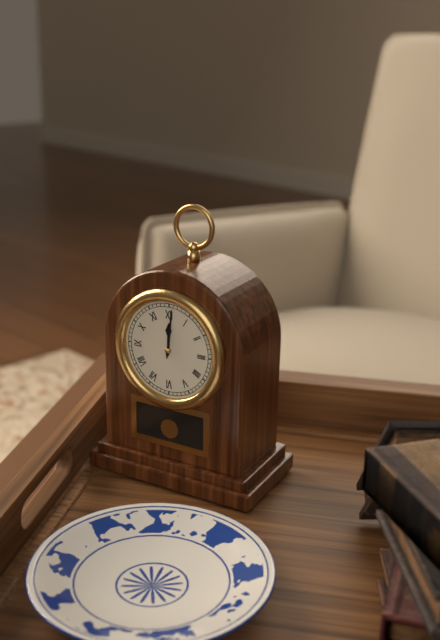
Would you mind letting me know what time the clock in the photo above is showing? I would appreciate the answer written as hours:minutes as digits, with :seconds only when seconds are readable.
12:01
